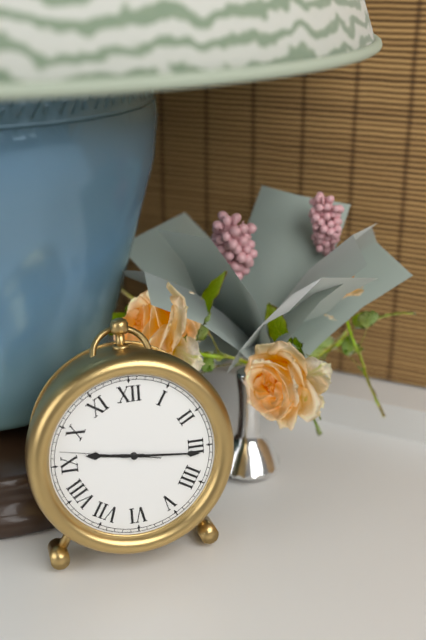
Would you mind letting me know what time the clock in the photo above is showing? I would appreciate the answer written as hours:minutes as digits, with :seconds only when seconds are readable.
9:16:47
